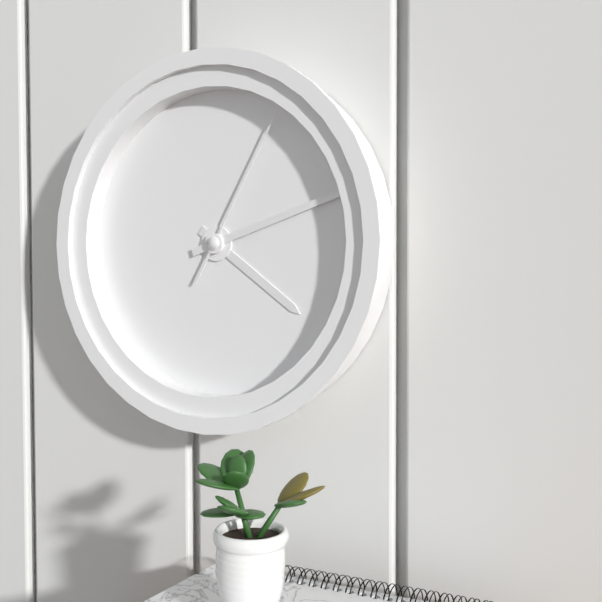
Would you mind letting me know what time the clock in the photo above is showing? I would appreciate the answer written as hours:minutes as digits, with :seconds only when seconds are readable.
4:12:05
